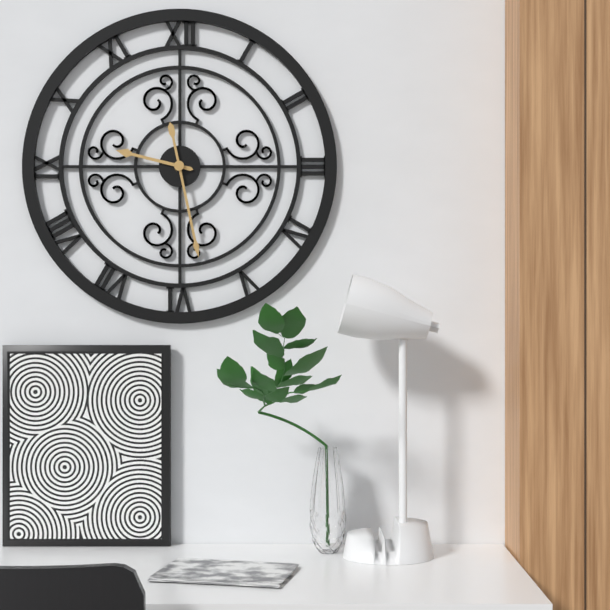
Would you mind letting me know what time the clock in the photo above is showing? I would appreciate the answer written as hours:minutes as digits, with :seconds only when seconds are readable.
9:28
